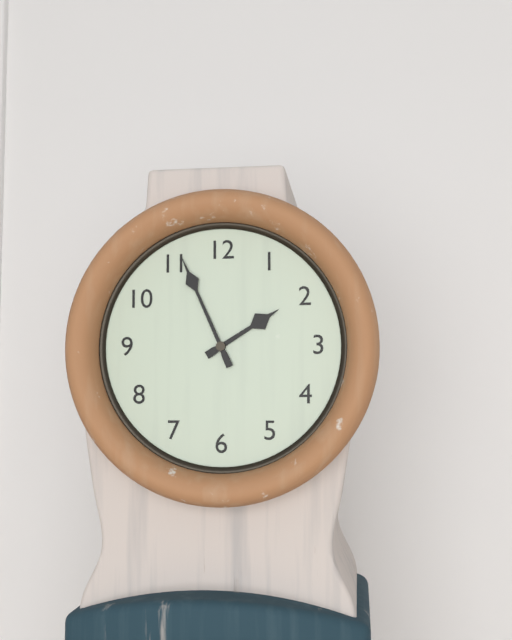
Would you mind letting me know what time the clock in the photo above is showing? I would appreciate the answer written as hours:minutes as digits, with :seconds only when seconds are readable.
1:56
